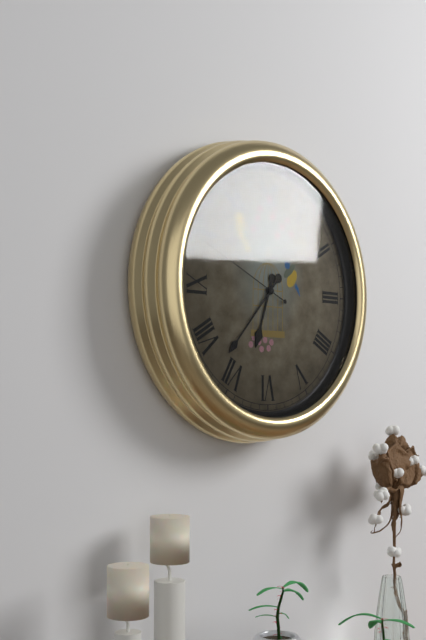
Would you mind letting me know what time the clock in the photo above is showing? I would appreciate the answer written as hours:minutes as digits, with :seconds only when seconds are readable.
6:37:49
